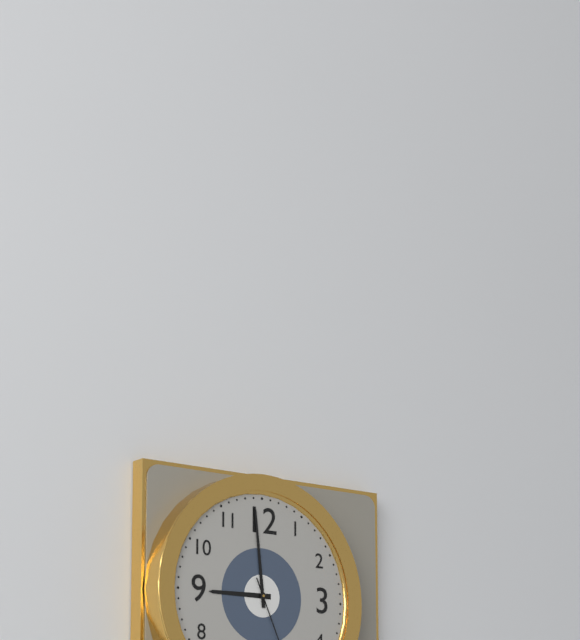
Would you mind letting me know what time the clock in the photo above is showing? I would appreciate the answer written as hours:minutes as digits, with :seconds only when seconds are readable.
8:59
